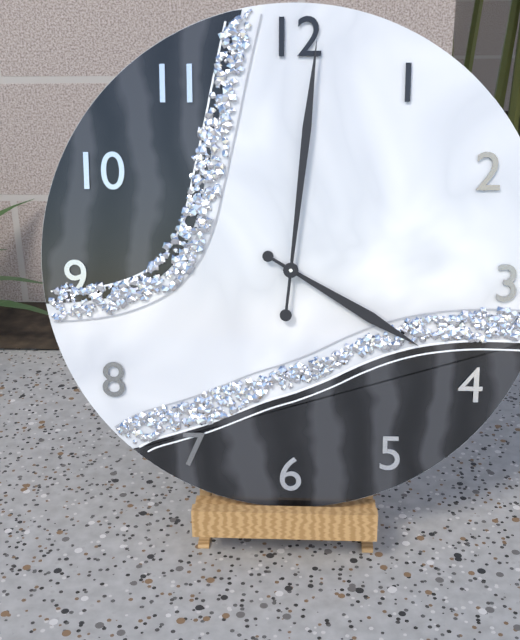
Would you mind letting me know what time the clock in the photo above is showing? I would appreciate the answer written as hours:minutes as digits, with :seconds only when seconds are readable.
4:01
